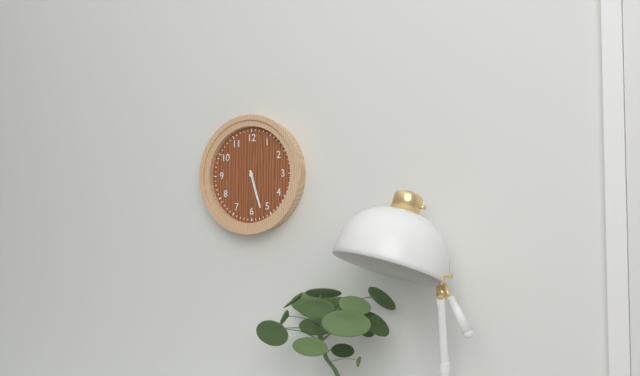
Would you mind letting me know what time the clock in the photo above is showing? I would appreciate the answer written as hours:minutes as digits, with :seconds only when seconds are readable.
5:27
